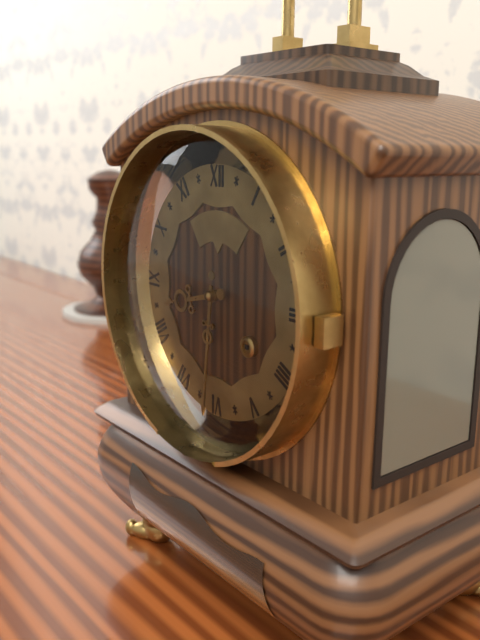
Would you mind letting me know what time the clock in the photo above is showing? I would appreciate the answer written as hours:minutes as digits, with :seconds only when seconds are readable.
8:31
